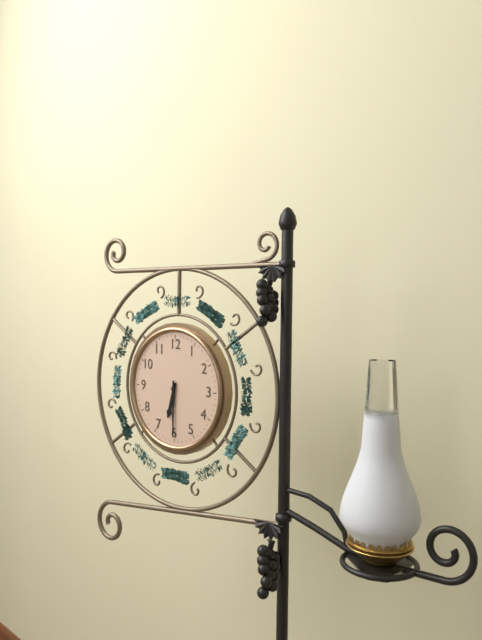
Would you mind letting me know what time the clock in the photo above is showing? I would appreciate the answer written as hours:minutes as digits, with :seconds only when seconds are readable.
6:30
